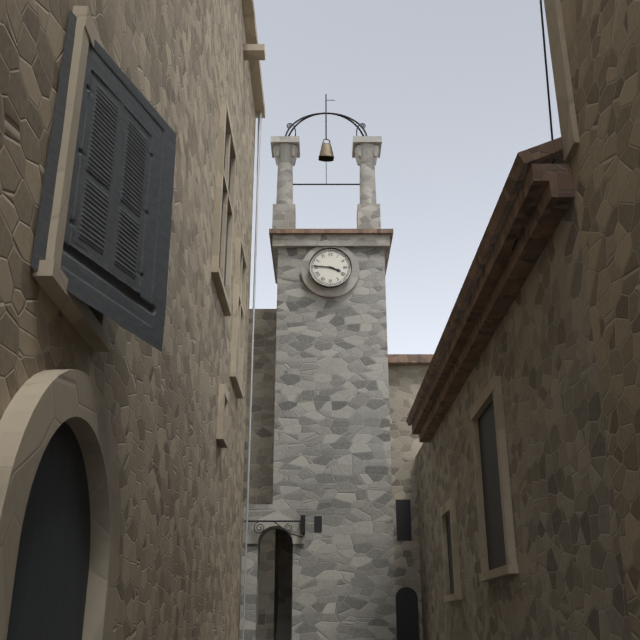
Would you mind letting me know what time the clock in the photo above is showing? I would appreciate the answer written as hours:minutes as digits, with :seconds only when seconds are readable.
3:46
